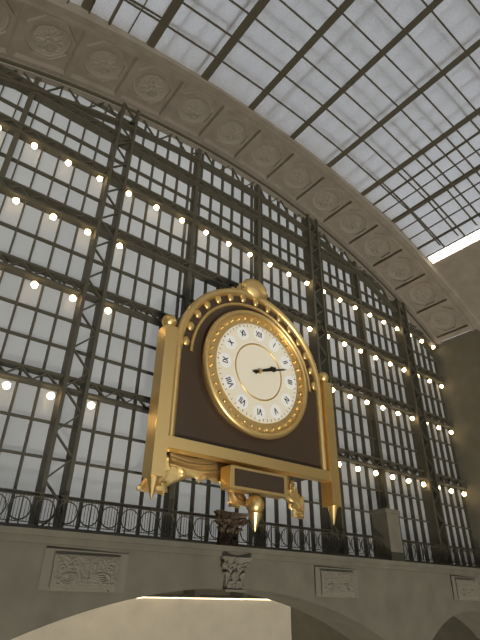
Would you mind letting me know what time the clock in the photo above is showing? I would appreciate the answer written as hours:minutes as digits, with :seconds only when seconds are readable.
2:12
